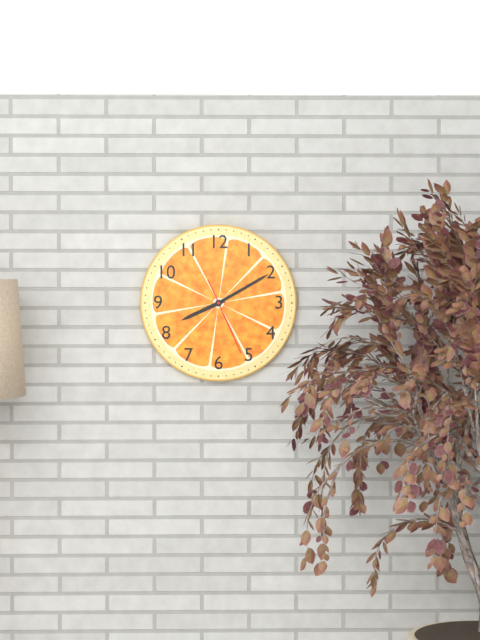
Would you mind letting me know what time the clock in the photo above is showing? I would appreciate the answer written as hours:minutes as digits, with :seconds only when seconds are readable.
8:10:26
